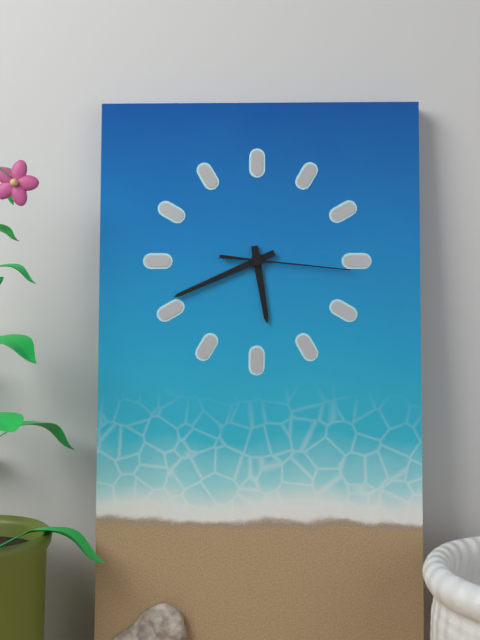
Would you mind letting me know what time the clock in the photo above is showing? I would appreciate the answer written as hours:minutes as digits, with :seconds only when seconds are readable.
5:41:16
